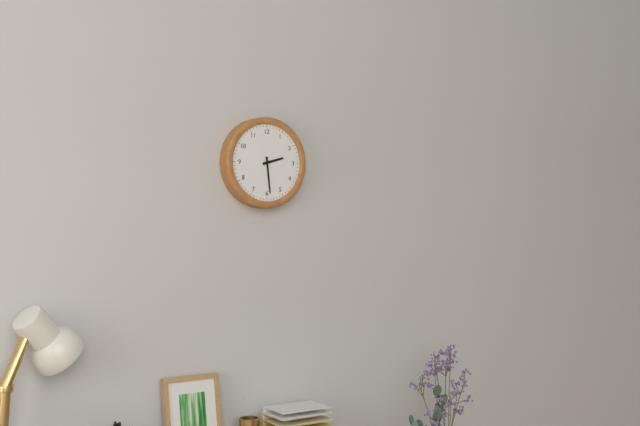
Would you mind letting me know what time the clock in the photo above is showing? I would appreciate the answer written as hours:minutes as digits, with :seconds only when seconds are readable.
2:29
